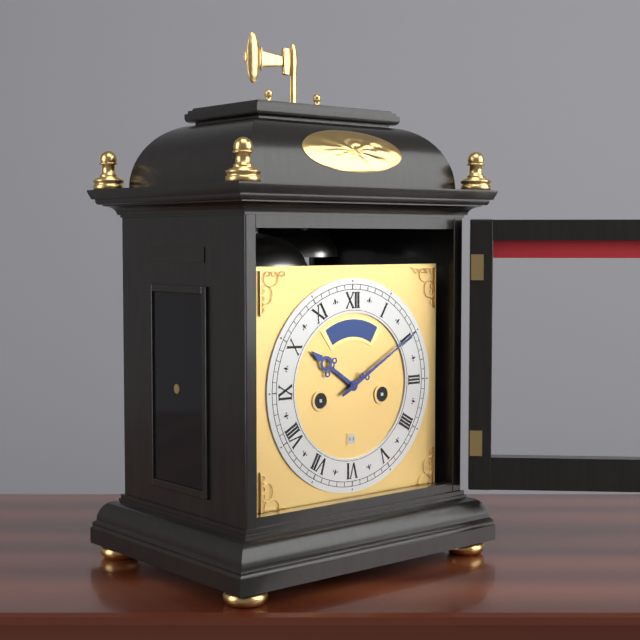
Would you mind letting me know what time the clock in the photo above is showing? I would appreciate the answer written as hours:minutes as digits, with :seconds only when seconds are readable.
10:10
